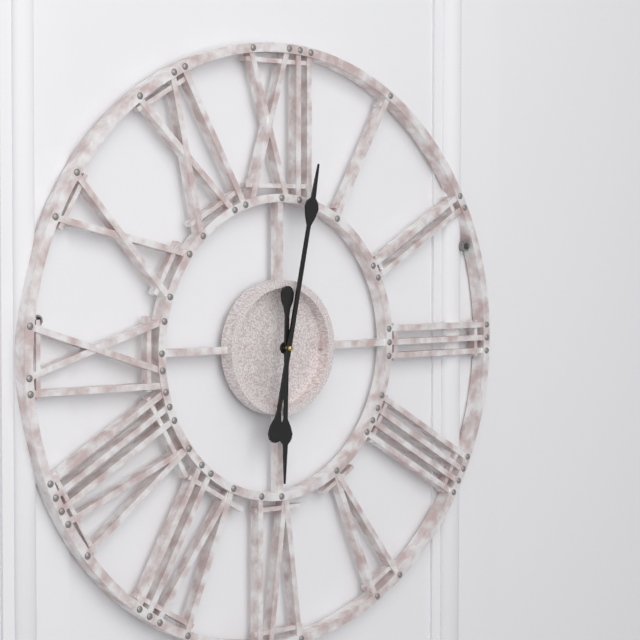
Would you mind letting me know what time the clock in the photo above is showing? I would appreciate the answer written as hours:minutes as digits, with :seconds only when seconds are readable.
6:02
